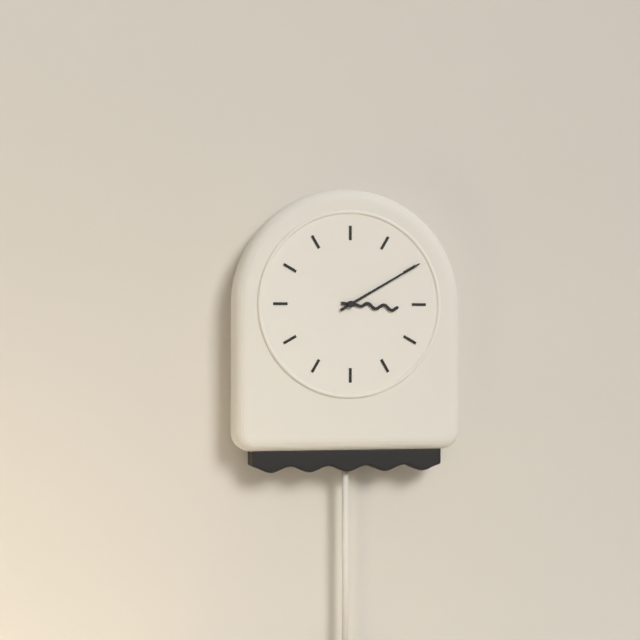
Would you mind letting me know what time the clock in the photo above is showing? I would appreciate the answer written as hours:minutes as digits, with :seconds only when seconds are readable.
3:10
